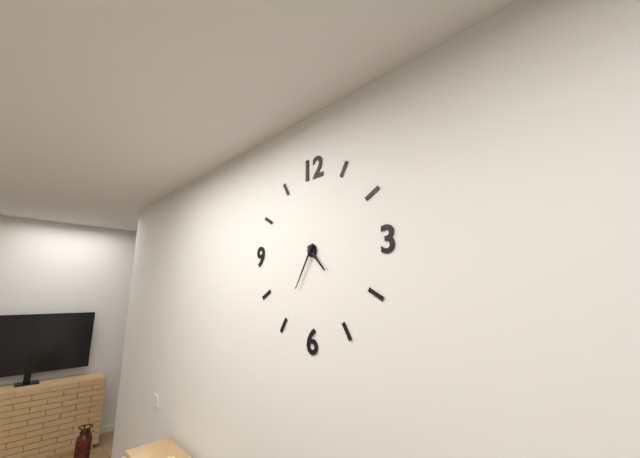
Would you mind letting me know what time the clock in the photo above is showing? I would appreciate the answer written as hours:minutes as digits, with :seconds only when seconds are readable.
4:35
